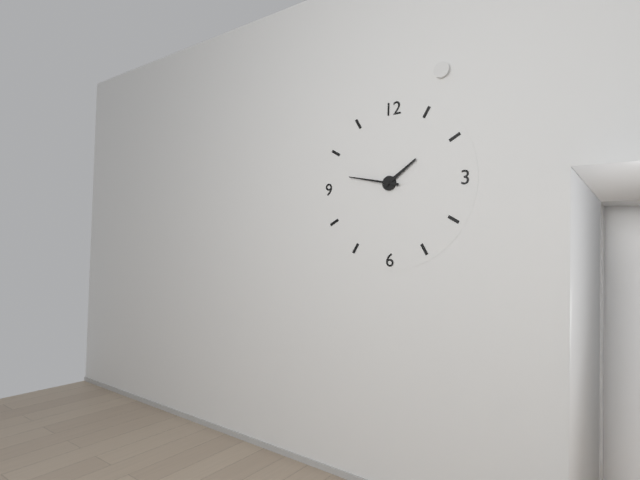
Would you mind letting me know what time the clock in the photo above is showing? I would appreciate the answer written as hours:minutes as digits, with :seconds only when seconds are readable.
1:47
